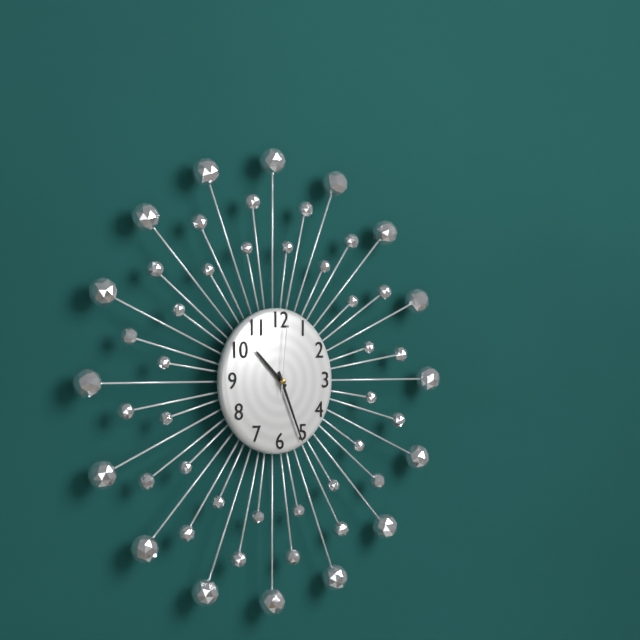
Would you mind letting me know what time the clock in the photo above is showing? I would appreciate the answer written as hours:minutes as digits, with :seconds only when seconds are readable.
10:26:01
